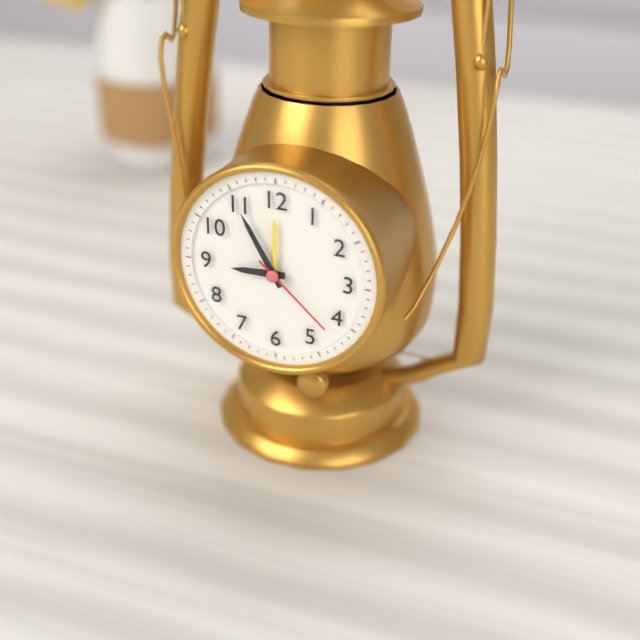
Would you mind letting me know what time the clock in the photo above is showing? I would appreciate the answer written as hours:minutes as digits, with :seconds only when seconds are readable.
8:55:22
